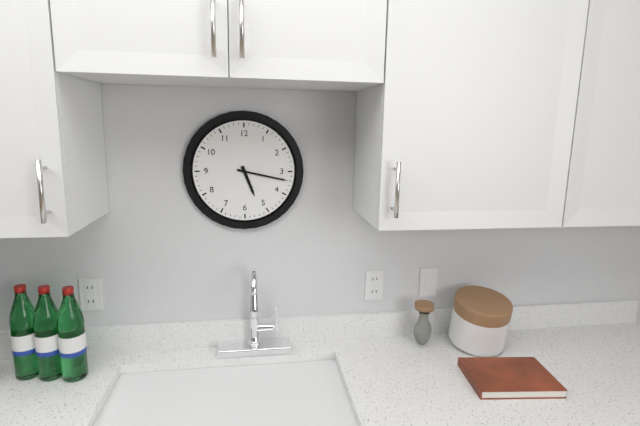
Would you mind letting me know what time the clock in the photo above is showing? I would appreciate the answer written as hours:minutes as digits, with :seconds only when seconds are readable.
5:17
